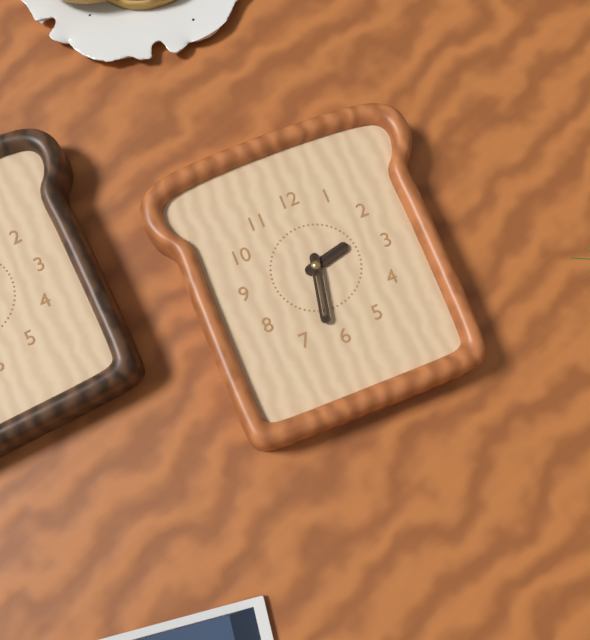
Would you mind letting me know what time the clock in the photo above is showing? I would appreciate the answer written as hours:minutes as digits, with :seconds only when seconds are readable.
2:32
